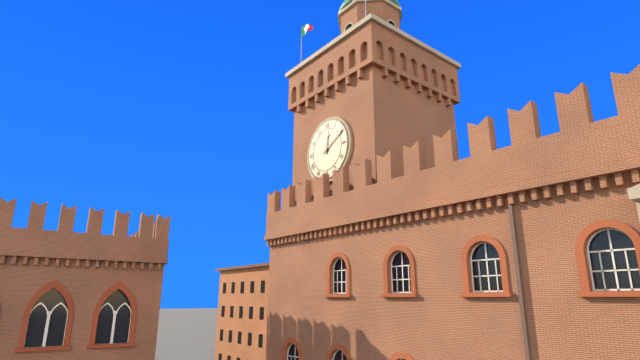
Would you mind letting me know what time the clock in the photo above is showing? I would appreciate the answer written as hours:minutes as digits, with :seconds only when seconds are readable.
12:10
